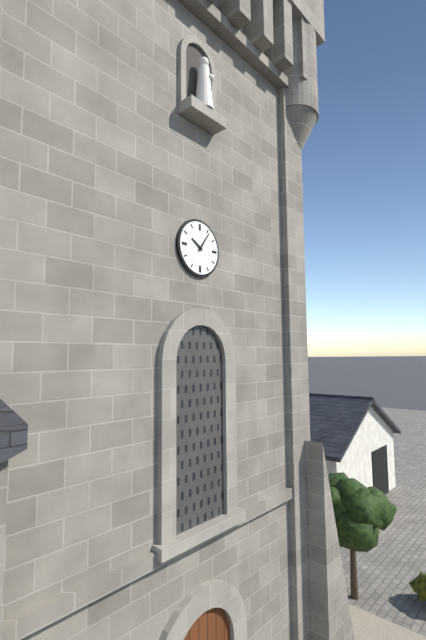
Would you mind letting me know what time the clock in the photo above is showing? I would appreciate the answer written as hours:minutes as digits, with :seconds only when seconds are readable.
10:06
